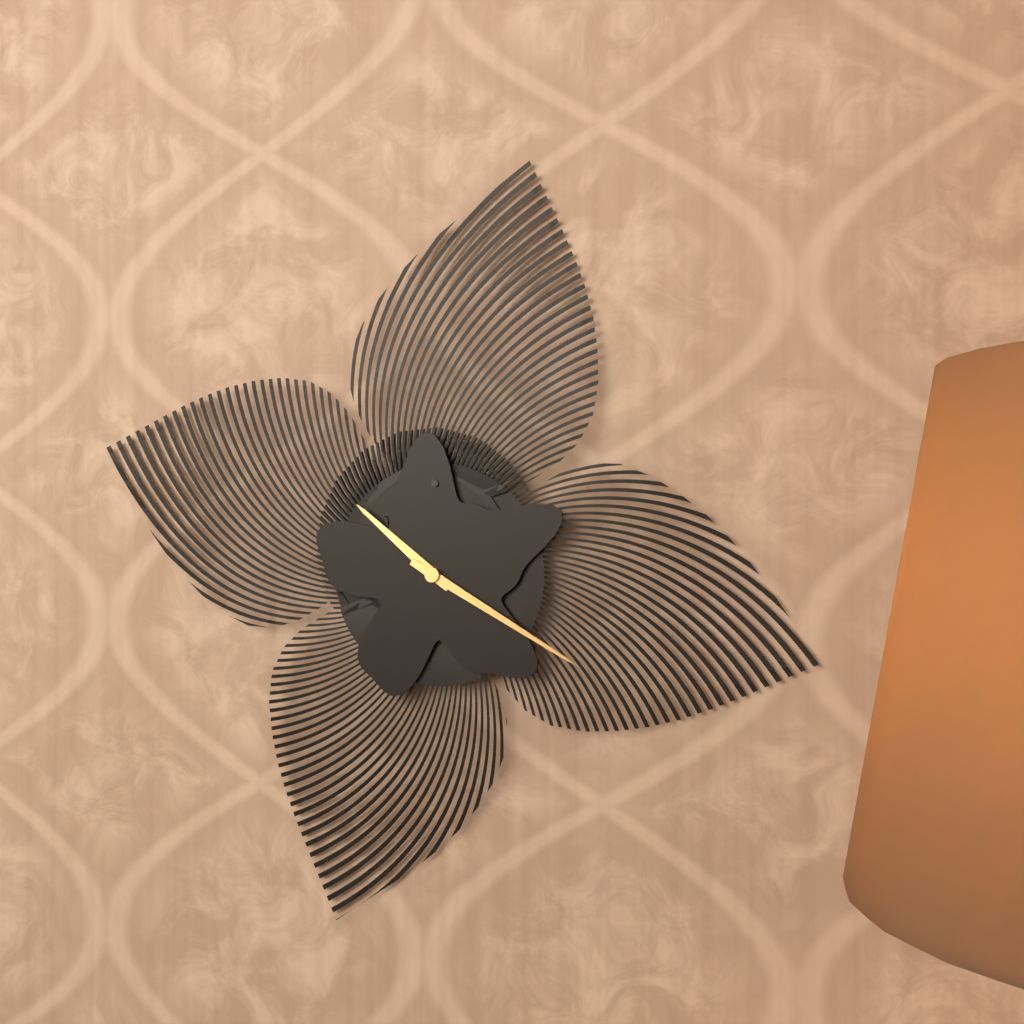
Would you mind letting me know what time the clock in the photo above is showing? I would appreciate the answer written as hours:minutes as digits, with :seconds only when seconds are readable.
10:20
